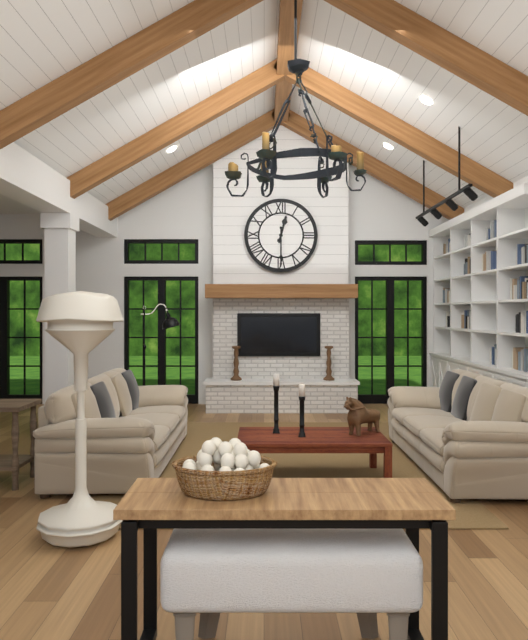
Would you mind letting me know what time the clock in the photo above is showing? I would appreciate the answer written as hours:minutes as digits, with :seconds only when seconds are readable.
12:30
